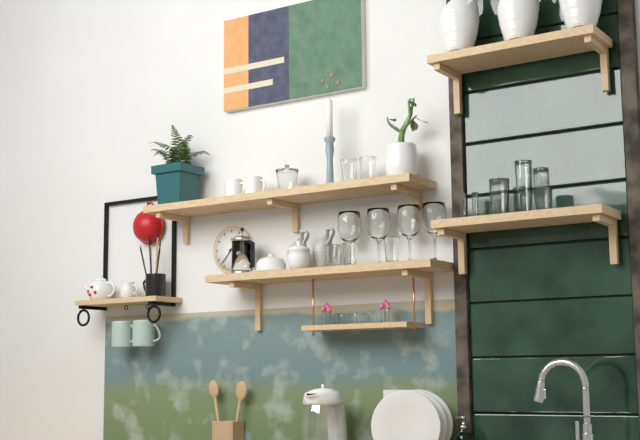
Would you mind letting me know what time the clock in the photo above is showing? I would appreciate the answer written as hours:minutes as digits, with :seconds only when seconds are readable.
2:37
